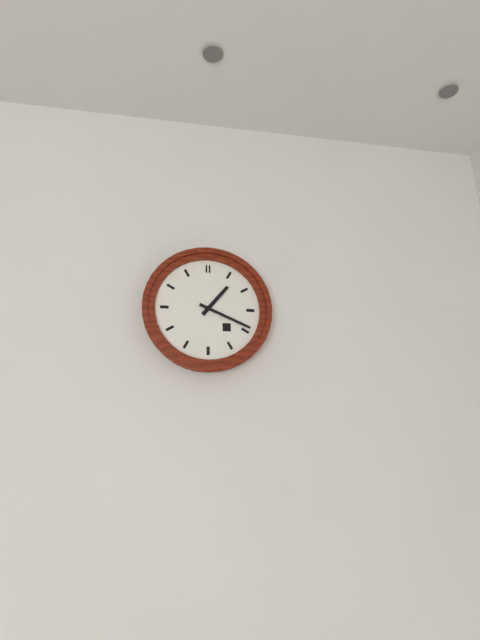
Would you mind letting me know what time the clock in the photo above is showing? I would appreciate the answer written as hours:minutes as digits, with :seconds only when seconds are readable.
1:19
